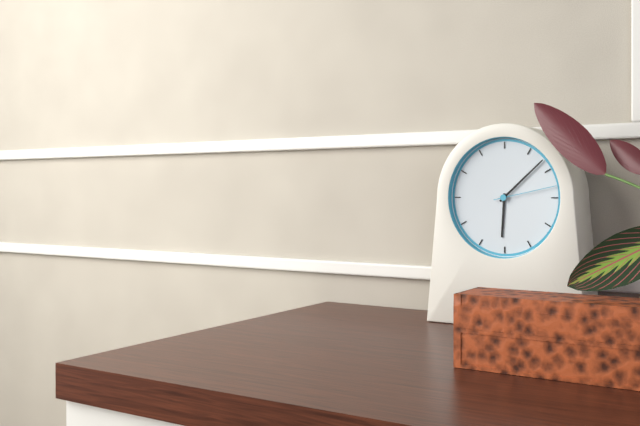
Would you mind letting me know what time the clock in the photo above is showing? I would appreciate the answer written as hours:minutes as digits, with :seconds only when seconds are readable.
6:08:13
